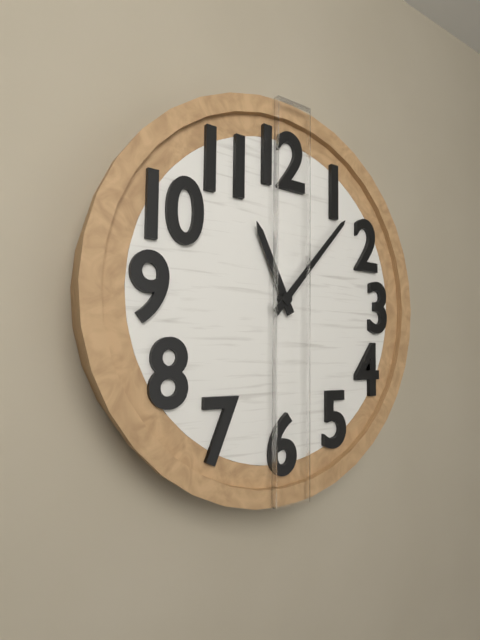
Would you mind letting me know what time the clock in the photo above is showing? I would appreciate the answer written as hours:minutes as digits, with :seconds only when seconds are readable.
11:07
